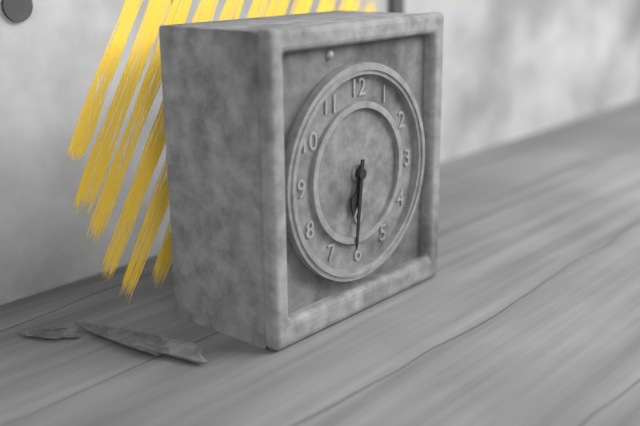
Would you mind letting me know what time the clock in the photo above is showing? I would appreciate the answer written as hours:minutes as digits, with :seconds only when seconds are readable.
6:31
